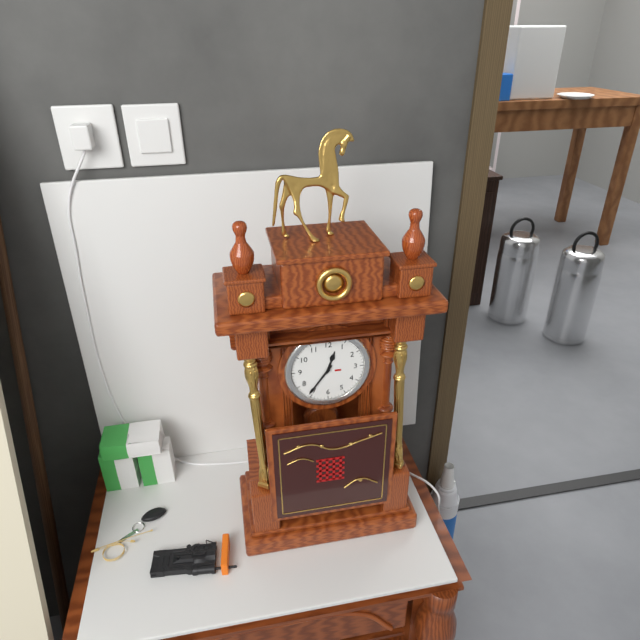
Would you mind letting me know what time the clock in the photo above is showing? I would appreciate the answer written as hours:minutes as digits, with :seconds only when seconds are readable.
12:36
